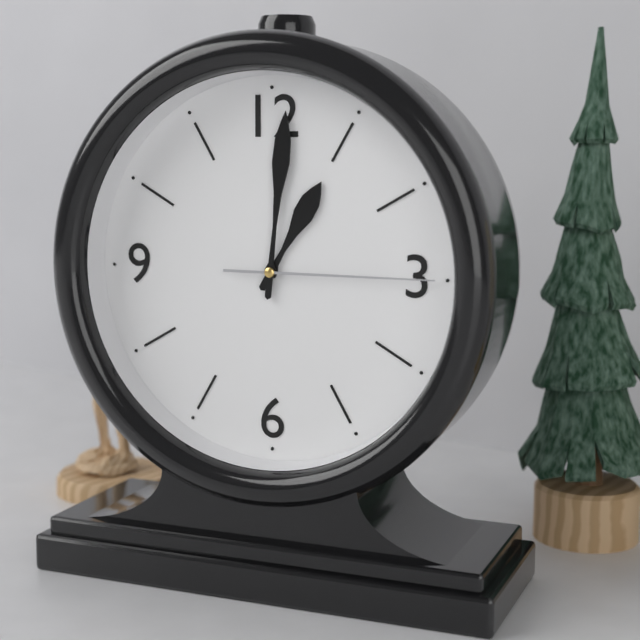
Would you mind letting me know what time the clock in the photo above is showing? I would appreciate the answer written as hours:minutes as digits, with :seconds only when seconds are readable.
1:01:15
